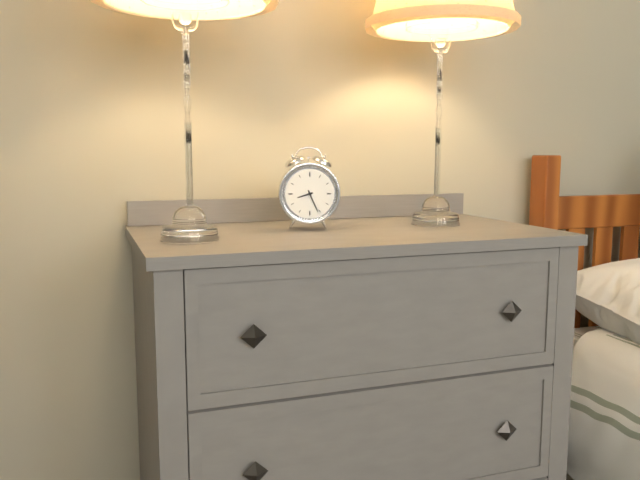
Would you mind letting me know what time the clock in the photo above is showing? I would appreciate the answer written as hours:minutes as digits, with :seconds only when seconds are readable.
8:26
